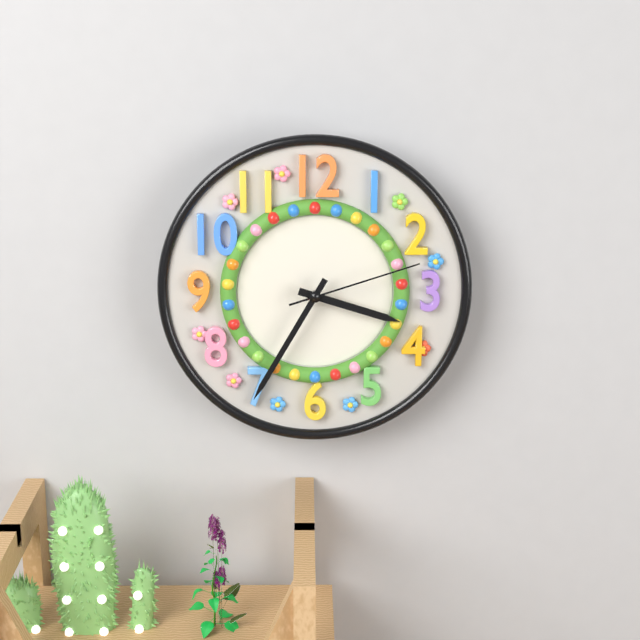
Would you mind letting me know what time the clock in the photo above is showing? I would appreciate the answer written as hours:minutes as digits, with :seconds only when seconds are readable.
3:35:12
